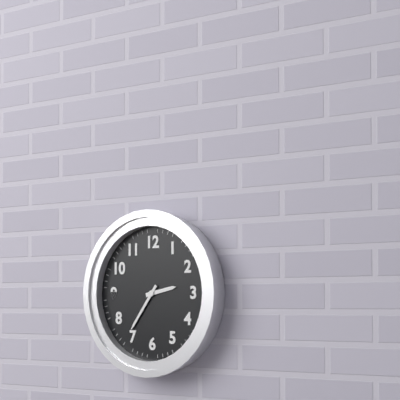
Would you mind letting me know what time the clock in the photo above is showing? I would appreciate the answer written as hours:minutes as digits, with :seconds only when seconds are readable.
2:36
